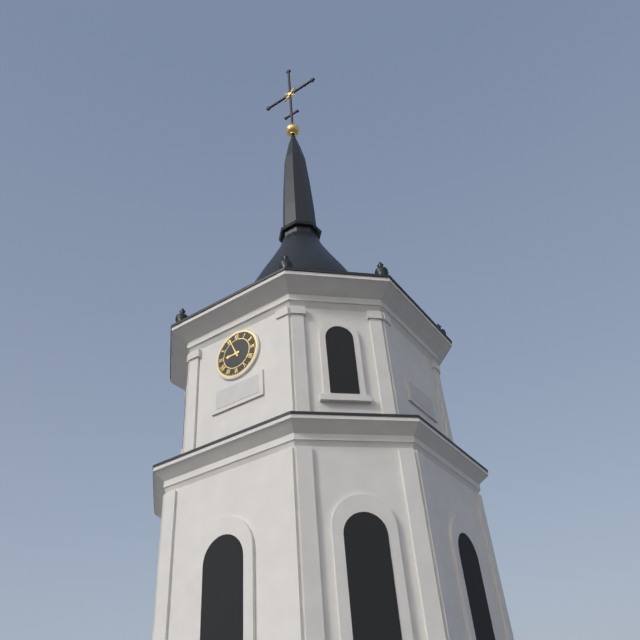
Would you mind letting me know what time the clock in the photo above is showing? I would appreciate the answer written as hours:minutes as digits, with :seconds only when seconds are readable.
8:56
